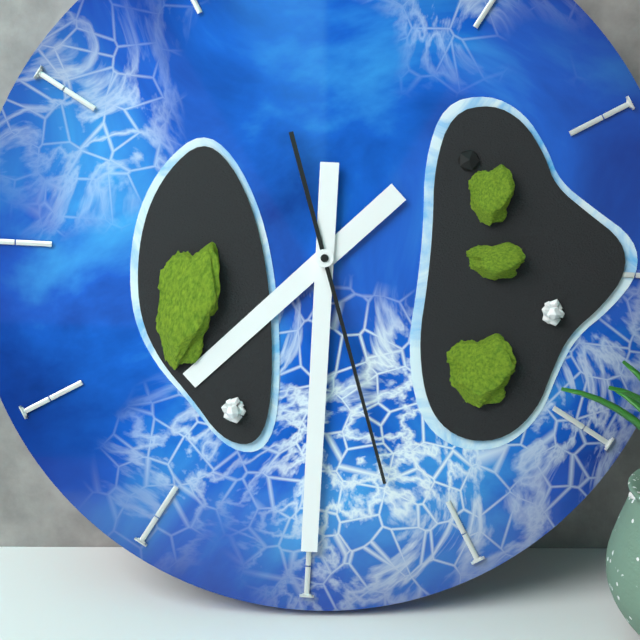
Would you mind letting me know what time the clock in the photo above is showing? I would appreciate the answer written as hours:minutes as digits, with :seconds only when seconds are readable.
7:30:27
